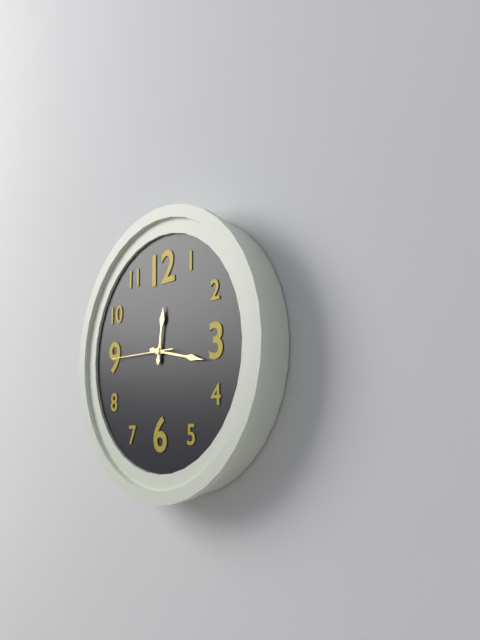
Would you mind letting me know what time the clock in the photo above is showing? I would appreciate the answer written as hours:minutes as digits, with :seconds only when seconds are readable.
12:17:45
